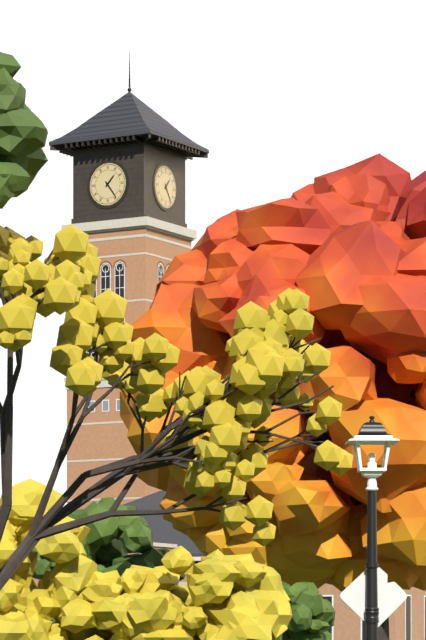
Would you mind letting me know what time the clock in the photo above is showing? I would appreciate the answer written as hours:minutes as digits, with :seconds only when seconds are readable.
1:24
